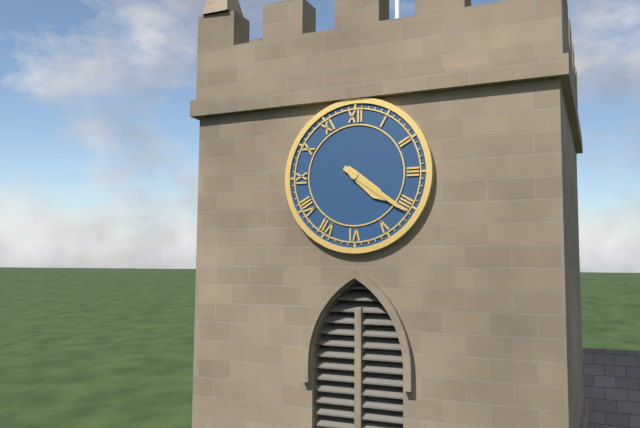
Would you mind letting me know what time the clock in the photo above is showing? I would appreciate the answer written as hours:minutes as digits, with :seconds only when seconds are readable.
4:21
